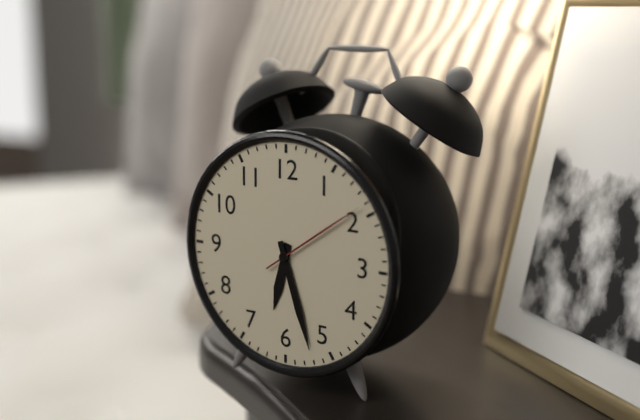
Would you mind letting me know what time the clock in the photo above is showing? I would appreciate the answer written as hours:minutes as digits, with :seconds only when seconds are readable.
6:27:09
